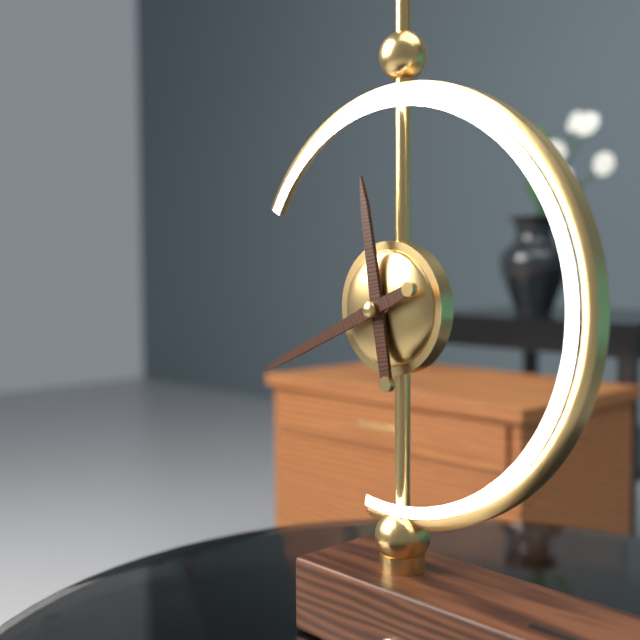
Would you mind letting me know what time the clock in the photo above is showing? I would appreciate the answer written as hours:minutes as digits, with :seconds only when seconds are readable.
11:41
